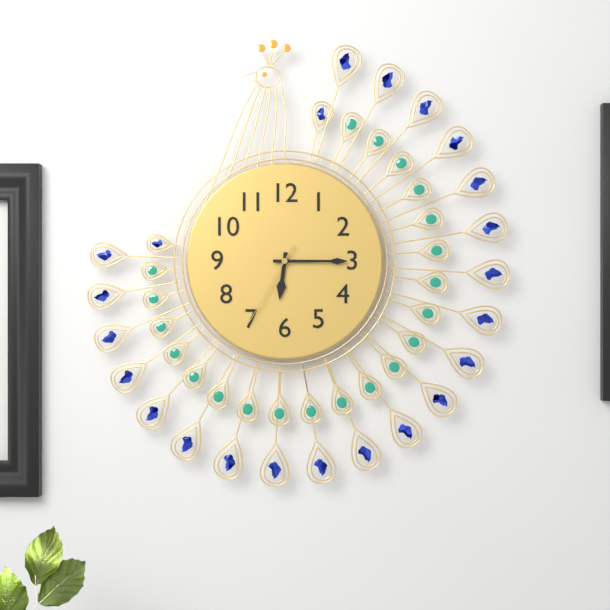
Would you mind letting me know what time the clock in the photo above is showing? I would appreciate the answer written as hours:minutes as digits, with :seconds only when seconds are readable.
6:15:35
